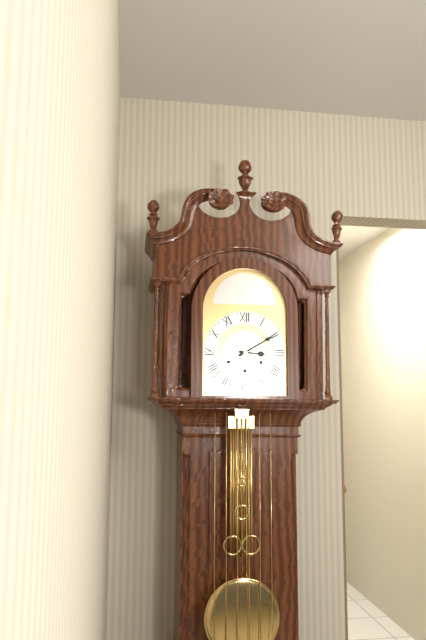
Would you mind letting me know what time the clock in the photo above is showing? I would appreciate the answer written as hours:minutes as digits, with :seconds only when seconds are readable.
3:10
